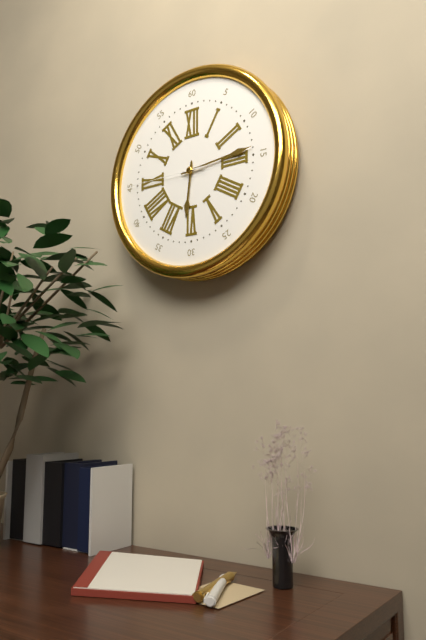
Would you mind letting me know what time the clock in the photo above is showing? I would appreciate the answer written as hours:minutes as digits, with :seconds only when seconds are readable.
6:14:45
